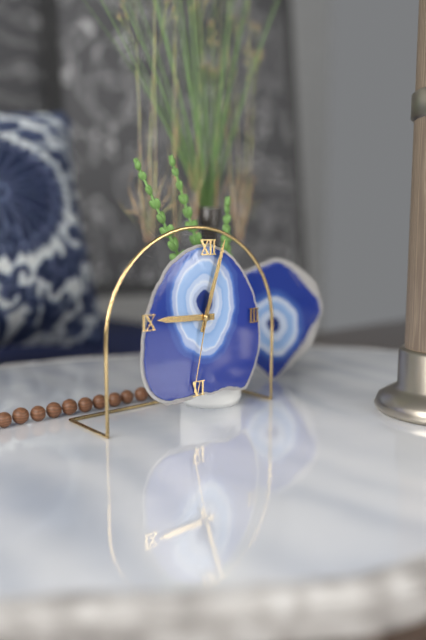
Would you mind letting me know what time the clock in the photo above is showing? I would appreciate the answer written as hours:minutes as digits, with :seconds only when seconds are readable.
9:03:32
